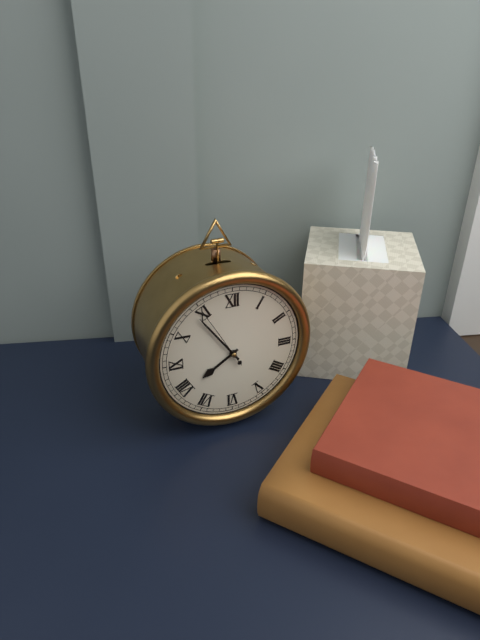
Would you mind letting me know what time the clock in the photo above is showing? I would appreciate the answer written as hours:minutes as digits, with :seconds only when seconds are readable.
7:54:55
